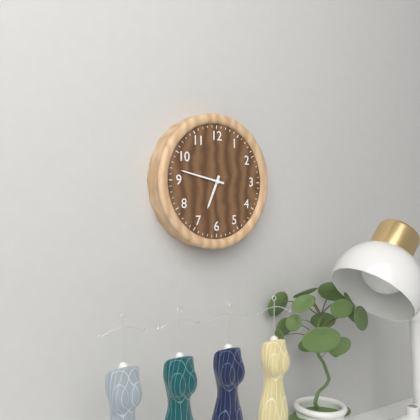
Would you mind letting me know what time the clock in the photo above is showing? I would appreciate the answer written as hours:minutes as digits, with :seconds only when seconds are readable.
6:47
